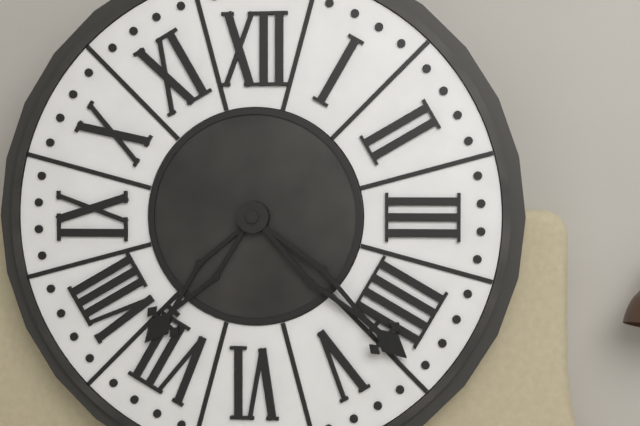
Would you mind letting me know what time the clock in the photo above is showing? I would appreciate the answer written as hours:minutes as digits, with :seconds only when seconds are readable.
7:22
